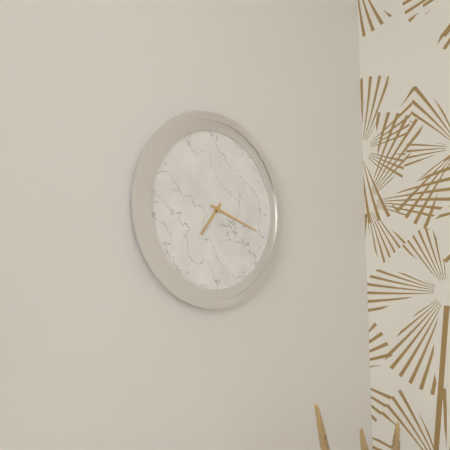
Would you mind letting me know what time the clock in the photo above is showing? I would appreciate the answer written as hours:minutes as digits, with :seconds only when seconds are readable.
7:18
